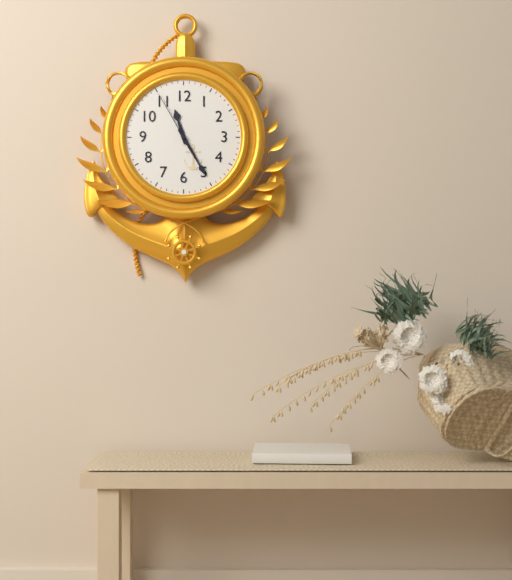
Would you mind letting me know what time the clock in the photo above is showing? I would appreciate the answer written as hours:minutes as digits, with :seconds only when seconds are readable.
11:25:55
